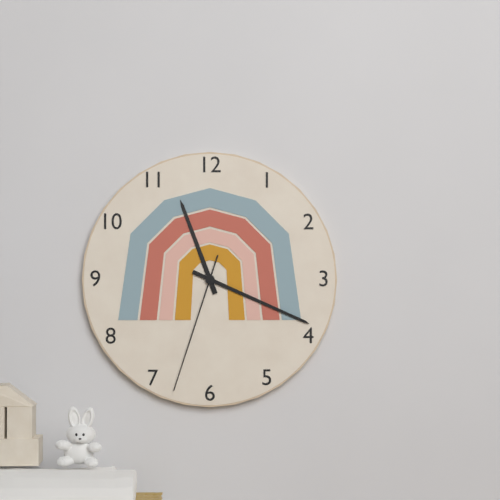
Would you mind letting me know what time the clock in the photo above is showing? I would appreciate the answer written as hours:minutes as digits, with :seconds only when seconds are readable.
11:19:33
